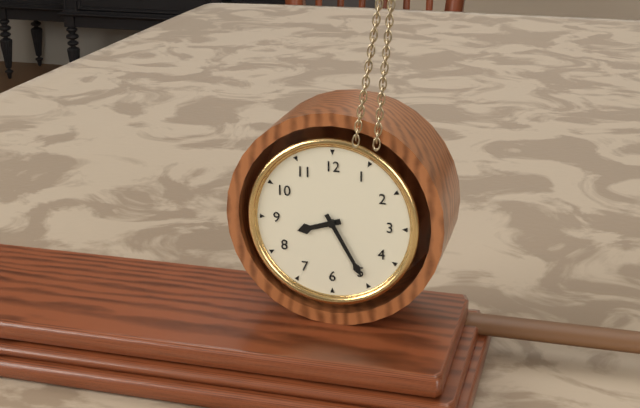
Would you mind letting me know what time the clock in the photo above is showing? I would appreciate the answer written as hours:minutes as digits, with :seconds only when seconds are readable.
8:25
